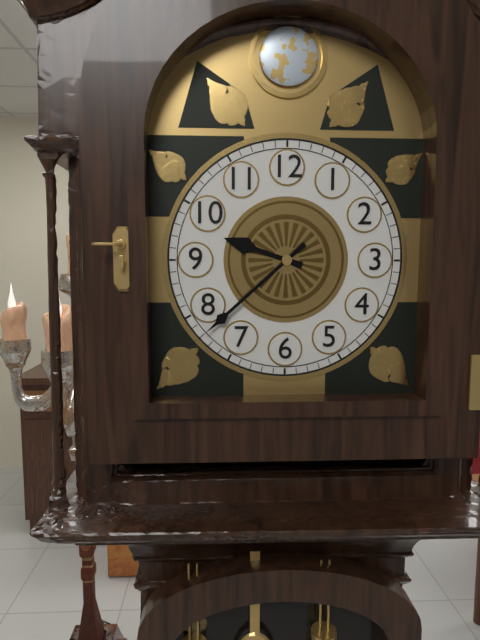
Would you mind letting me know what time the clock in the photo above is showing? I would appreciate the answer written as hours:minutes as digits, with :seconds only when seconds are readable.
9:38
